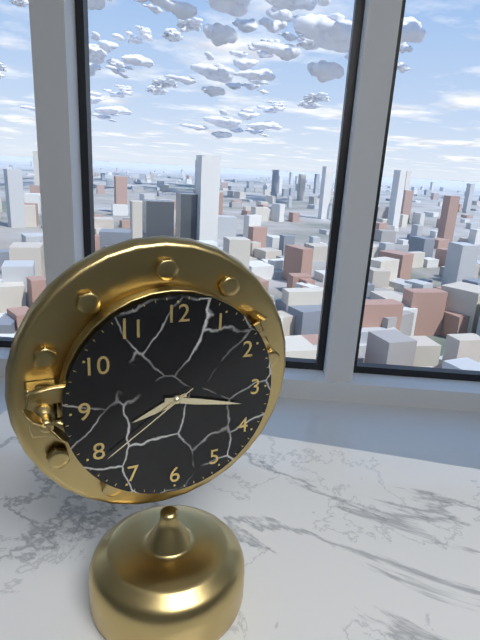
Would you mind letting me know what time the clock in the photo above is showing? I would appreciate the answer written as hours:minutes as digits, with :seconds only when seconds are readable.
8:17:39
